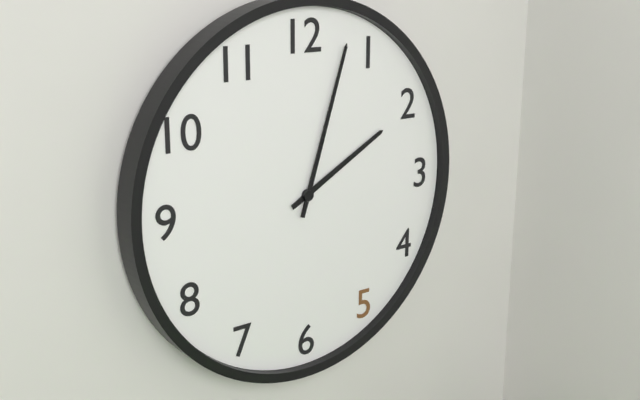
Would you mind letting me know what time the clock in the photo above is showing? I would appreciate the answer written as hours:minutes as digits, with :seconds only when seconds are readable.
2:03
